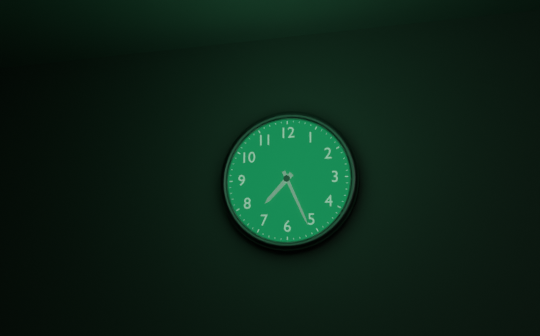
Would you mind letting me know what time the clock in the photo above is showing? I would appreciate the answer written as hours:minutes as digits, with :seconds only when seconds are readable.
7:26
